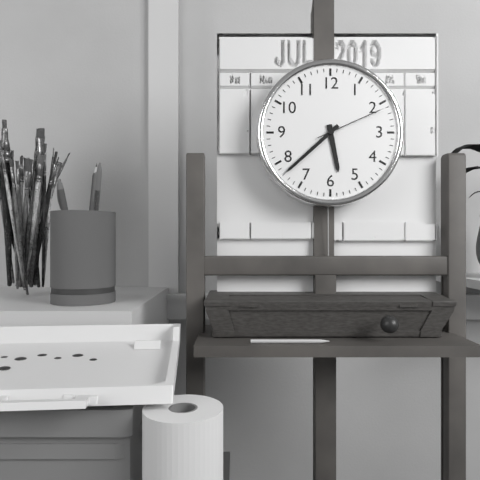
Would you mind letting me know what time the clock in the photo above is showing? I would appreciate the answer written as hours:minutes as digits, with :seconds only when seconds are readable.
5:38:11
